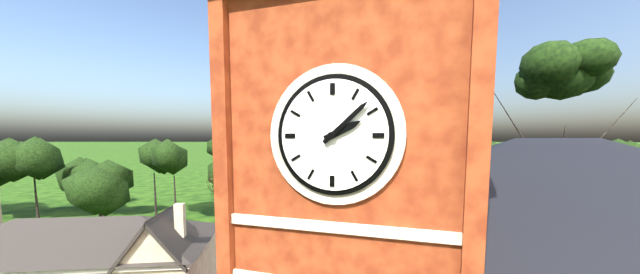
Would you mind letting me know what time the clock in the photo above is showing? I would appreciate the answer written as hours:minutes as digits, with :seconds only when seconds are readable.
2:08
